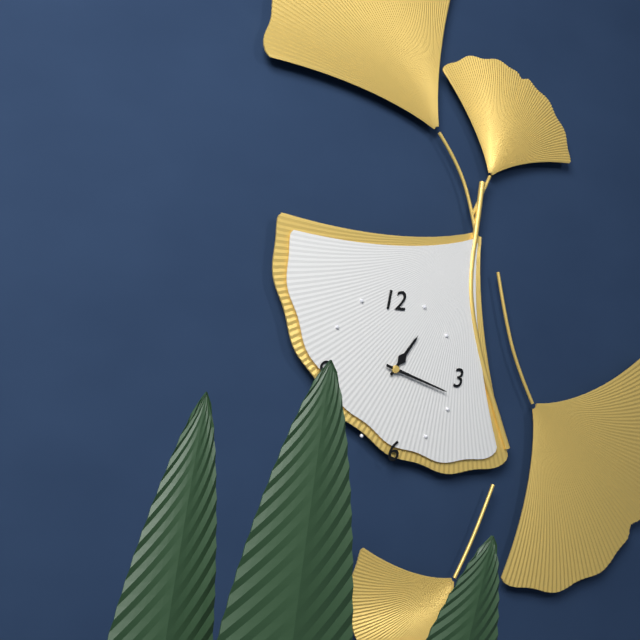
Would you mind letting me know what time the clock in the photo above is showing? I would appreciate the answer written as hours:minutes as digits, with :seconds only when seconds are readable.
1:18
